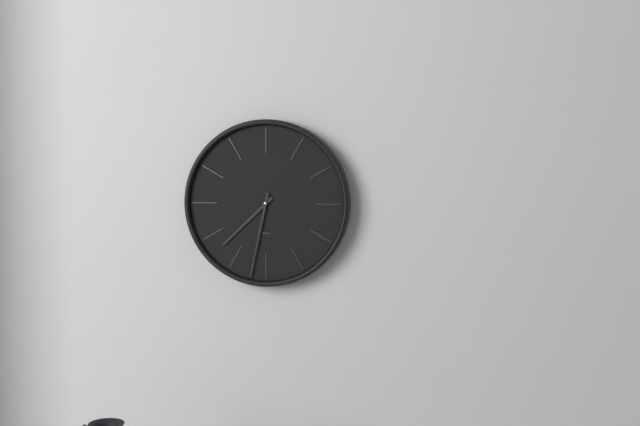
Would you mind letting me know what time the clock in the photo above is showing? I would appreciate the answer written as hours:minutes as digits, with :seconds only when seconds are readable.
7:32
